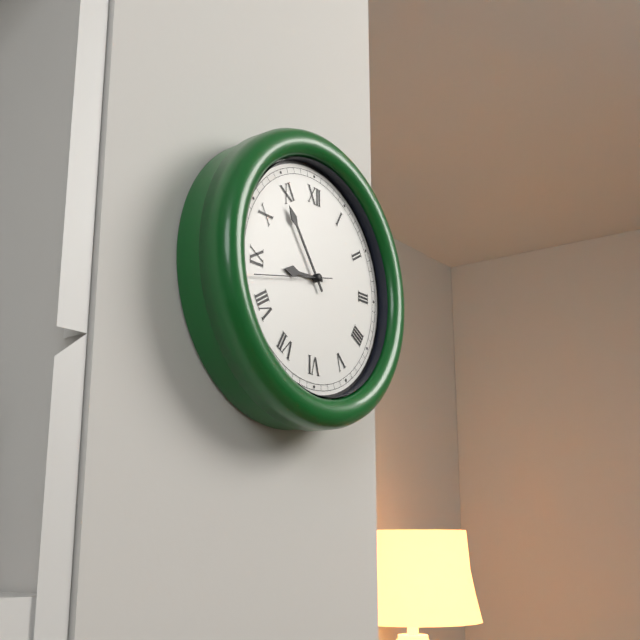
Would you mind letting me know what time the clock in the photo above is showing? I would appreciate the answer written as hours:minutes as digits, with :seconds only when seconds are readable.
8:54:43
